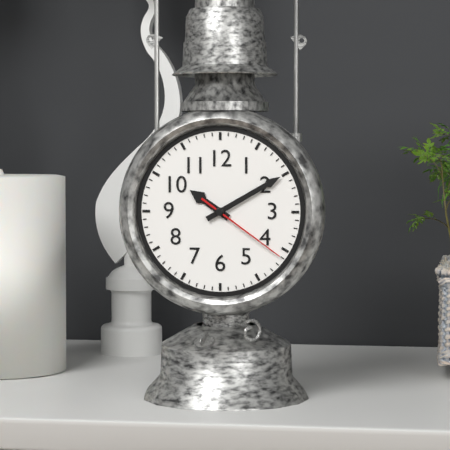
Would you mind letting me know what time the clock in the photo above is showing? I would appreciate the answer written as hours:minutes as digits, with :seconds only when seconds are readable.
10:10:21
